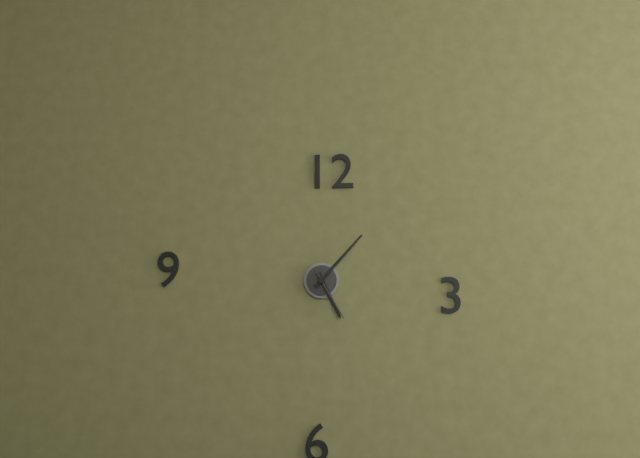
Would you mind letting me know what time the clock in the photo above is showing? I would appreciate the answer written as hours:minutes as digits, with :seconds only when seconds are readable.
5:07:25
